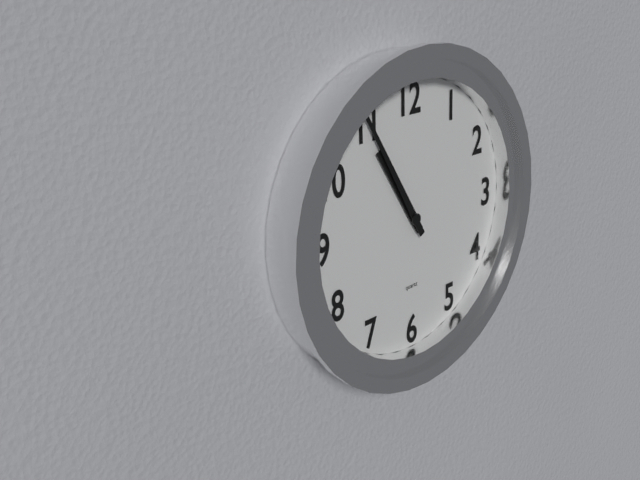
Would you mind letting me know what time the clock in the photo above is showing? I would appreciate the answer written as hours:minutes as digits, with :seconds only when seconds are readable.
10:55
